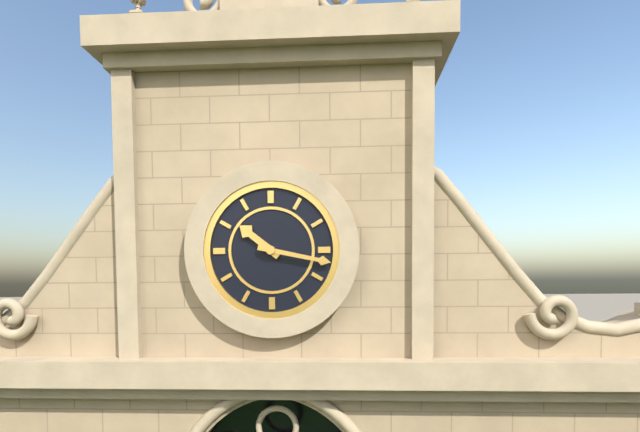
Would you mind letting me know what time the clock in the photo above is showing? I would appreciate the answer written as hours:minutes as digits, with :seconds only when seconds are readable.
10:17
